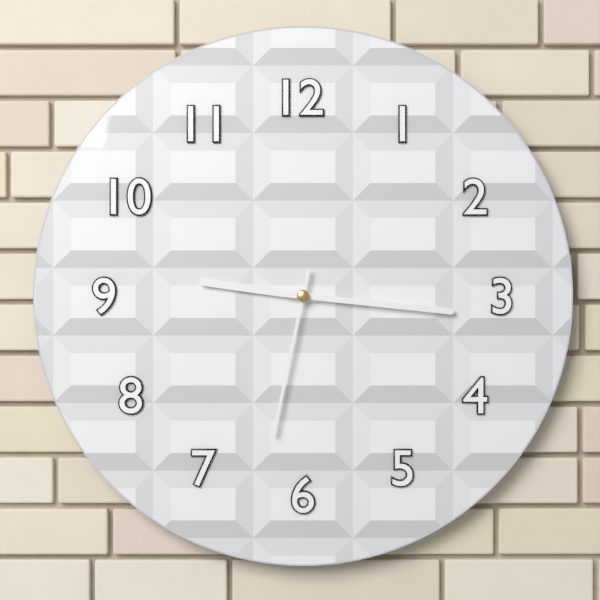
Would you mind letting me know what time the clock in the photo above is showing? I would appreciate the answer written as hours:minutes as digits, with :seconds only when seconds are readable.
9:16:32
